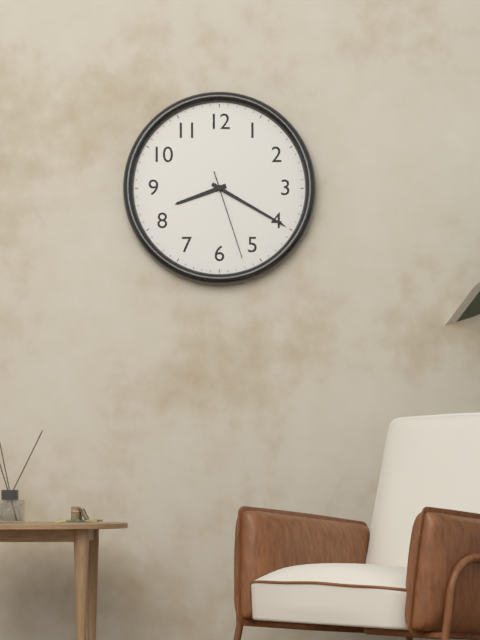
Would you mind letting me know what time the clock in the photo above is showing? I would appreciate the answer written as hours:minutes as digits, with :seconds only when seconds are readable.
8:20:27
